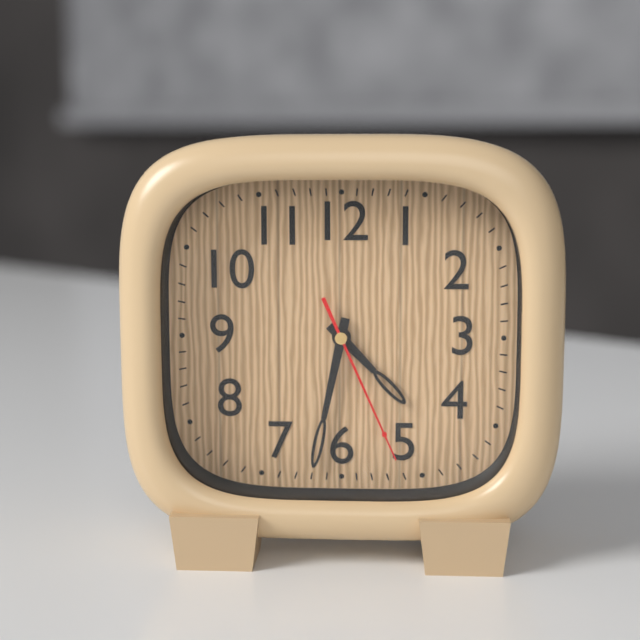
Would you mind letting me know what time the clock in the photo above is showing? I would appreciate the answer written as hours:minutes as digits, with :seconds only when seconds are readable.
4:32:26
